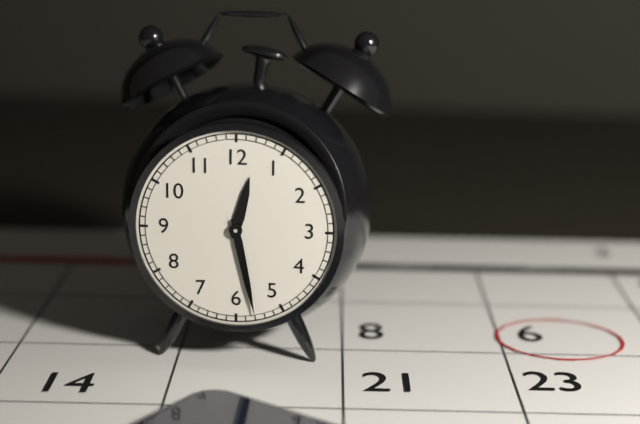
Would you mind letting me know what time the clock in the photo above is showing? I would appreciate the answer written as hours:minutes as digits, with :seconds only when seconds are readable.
12:28
